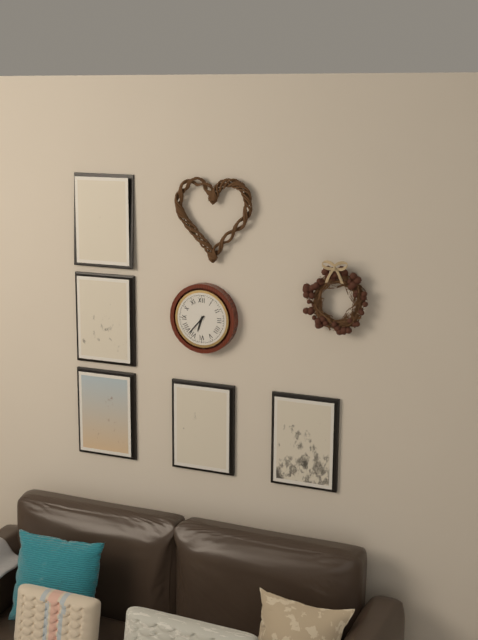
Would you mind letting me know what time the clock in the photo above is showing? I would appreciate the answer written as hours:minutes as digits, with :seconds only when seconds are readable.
6:37
